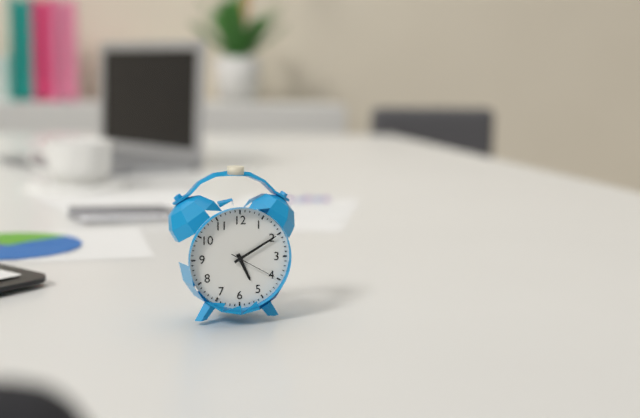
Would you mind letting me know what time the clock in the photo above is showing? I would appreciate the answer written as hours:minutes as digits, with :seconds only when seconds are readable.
5:10
